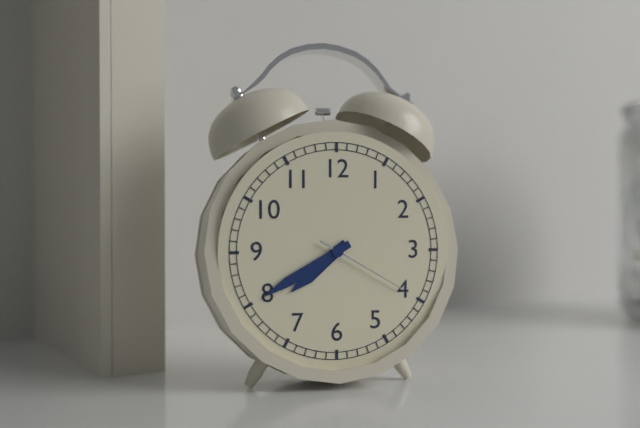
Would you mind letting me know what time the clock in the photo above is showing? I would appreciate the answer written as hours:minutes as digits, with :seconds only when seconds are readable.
7:40:20
